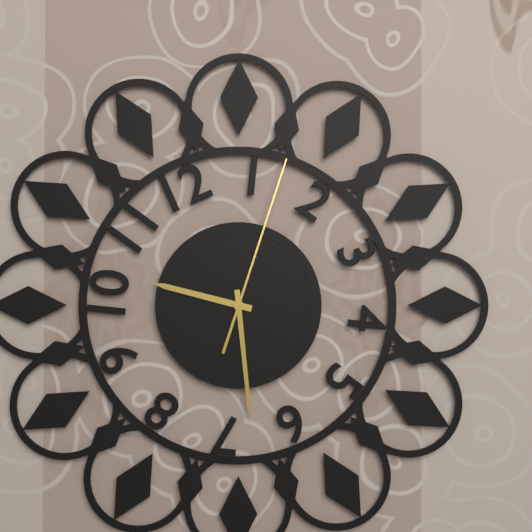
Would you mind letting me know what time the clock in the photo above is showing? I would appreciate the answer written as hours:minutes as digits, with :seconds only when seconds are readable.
9:29:03
